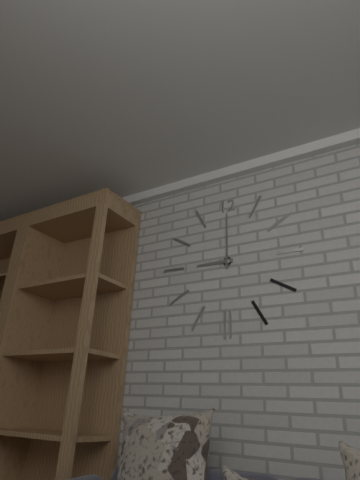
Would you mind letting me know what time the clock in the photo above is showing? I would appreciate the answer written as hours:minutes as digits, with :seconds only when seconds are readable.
9:00
